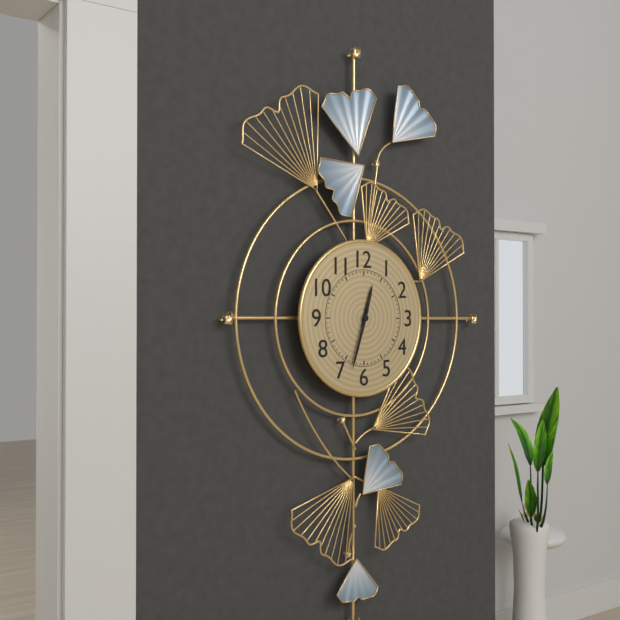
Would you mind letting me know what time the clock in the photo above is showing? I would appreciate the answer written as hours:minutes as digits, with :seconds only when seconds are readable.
12:33
